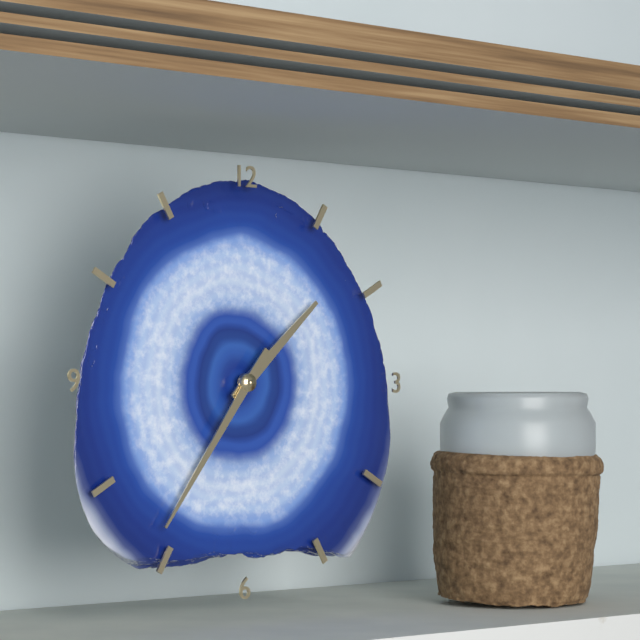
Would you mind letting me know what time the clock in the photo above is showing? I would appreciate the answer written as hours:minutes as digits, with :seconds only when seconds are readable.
1:36
